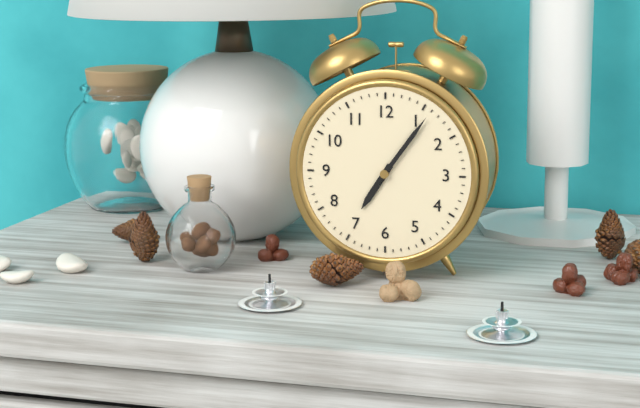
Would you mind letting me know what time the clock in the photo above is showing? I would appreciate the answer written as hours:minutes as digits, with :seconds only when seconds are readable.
7:06
